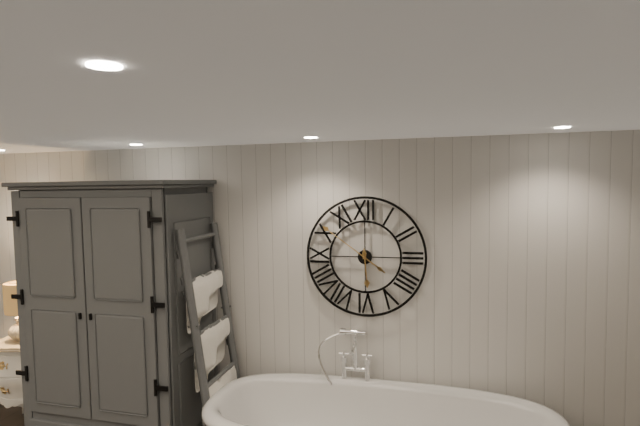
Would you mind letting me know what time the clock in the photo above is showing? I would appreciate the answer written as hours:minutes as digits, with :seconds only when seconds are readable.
5:51
